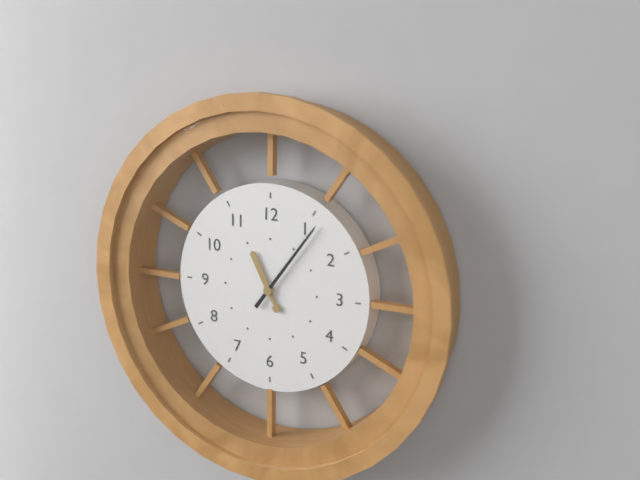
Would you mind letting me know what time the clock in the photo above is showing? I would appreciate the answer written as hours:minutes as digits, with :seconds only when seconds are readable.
11:06
